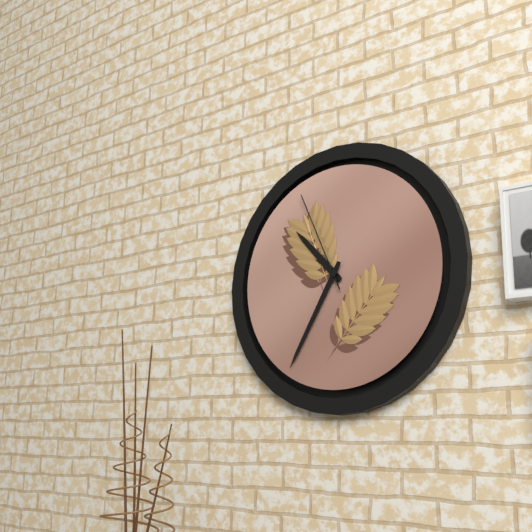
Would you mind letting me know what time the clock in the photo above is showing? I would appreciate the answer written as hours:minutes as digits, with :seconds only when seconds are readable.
10:35:56
